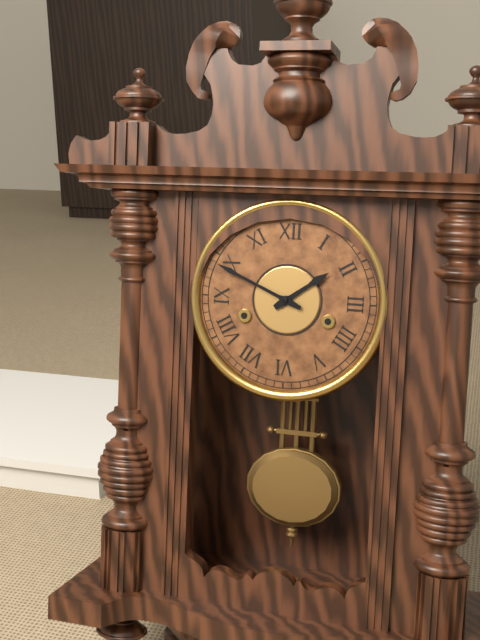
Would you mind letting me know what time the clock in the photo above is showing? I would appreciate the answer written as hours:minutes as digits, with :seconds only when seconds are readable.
1:49
